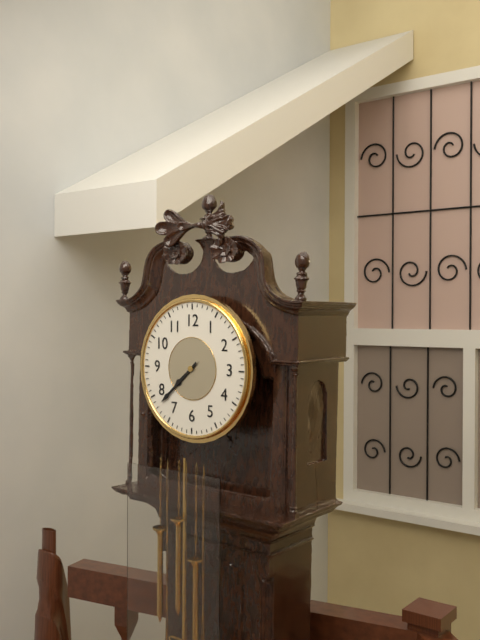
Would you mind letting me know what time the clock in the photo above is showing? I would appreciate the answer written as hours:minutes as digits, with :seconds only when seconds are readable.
7:38
